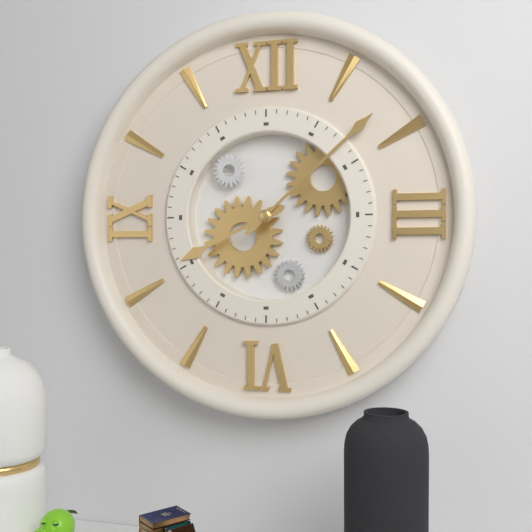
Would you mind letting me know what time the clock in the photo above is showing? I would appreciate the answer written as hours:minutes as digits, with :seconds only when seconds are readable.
8:08
